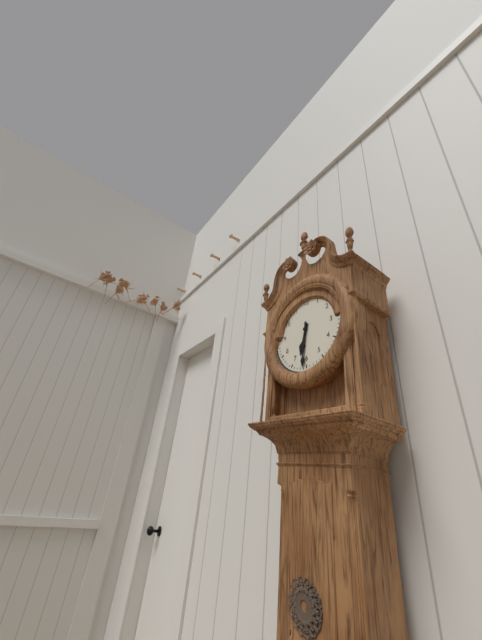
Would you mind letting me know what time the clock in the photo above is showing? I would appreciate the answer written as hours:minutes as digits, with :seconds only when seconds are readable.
6:31
